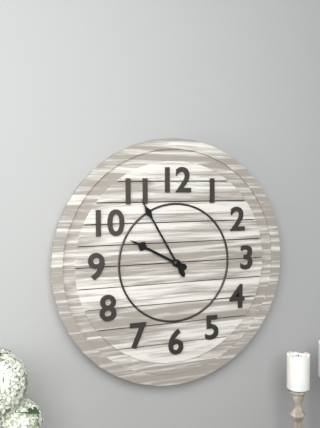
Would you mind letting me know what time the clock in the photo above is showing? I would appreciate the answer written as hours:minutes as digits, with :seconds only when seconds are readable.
9:55
